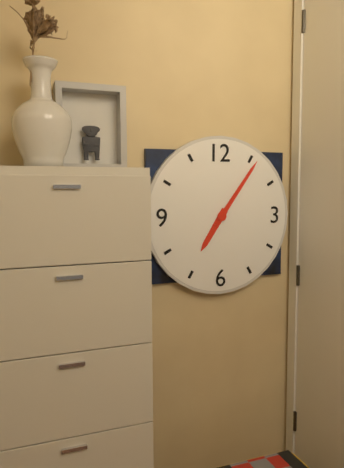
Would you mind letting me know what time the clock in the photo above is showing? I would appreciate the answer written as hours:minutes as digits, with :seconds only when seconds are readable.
7:06
